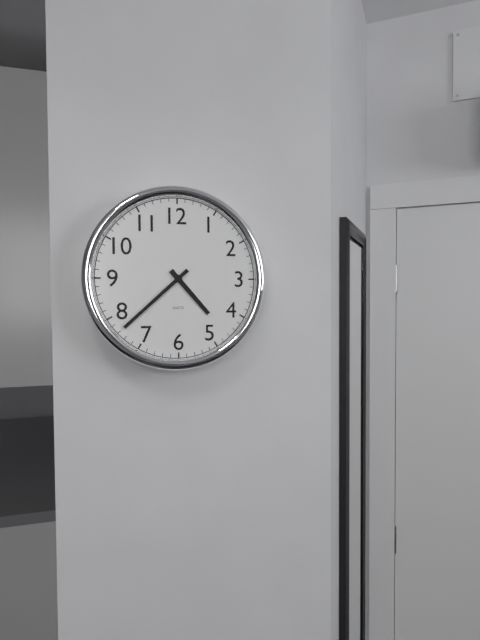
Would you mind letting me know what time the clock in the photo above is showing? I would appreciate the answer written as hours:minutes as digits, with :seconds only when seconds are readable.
4:38
